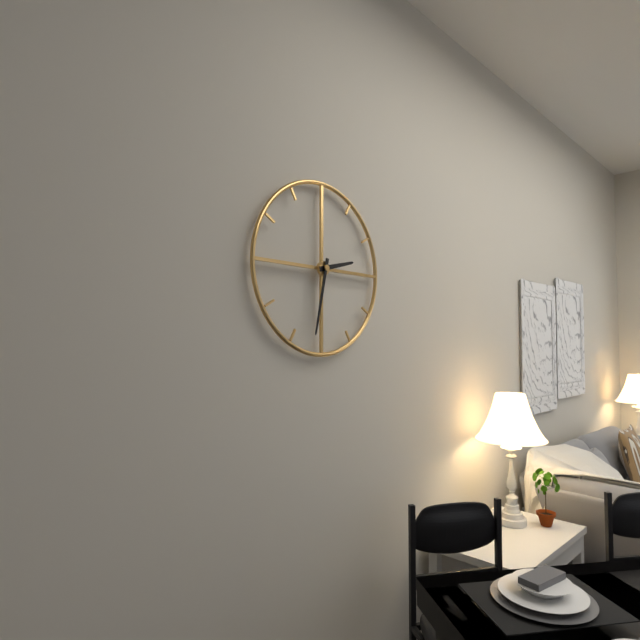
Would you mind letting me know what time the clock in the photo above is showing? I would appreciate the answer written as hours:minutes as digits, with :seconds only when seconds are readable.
2:32
